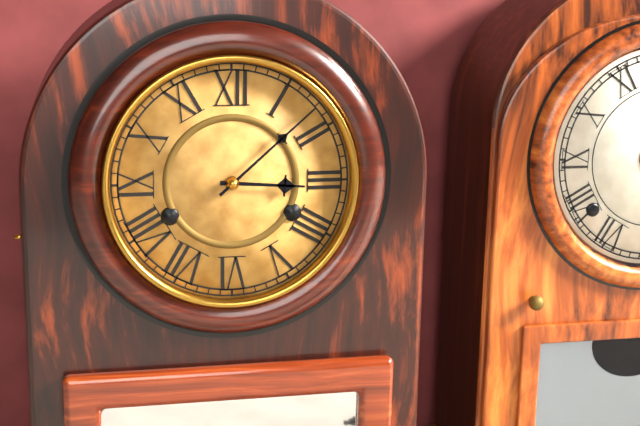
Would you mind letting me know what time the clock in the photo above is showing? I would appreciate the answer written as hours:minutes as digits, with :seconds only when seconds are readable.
3:08
